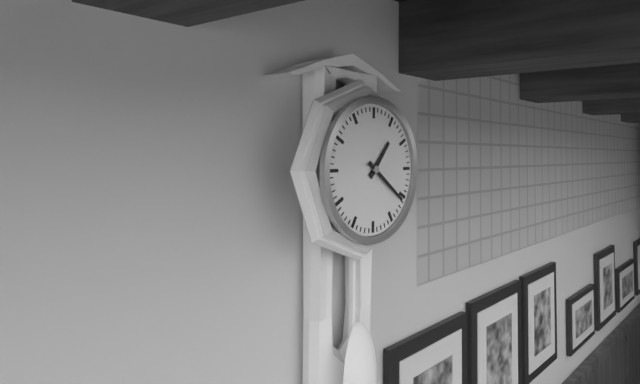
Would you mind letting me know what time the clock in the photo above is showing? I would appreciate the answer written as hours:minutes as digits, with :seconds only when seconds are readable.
1:21
